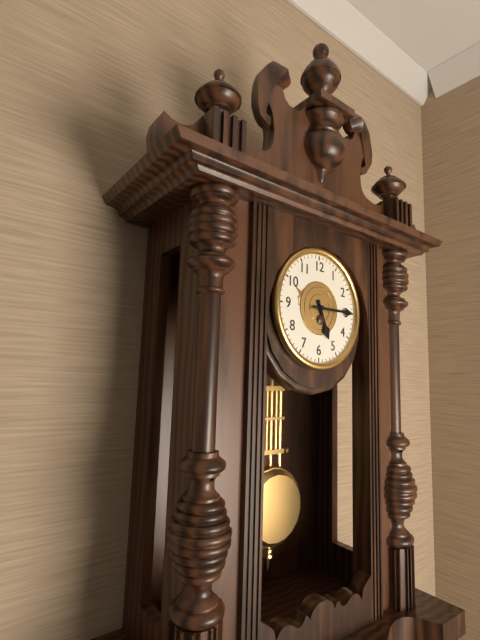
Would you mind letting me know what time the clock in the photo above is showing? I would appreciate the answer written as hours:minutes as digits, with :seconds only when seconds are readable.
5:15
